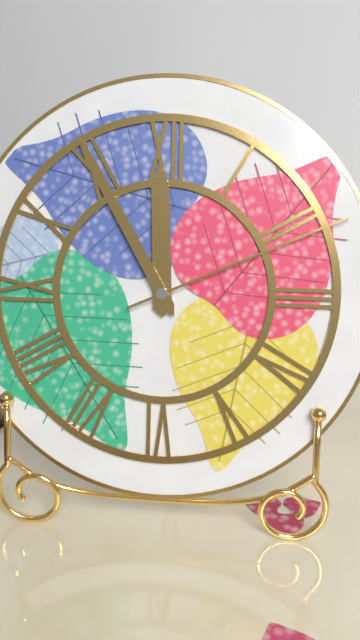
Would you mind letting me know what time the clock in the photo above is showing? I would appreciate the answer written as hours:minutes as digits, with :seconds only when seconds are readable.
11:55:11
